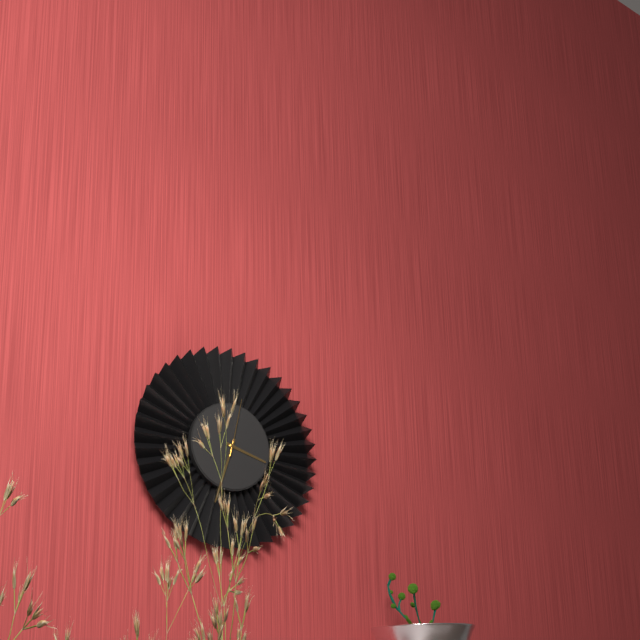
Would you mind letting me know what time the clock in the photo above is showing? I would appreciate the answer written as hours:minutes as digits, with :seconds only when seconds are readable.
3:33:02
